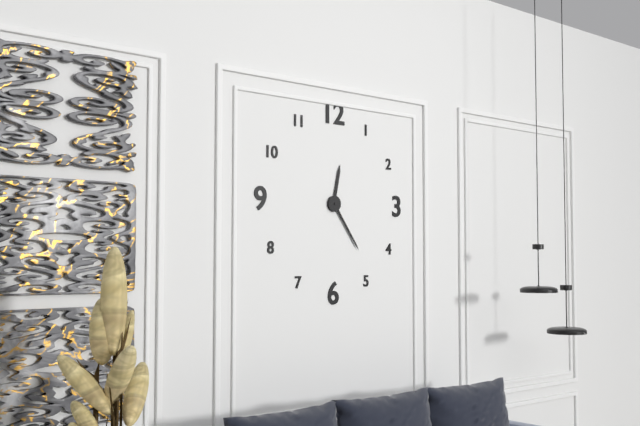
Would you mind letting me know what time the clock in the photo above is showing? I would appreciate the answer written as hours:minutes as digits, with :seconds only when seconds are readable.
12:24
